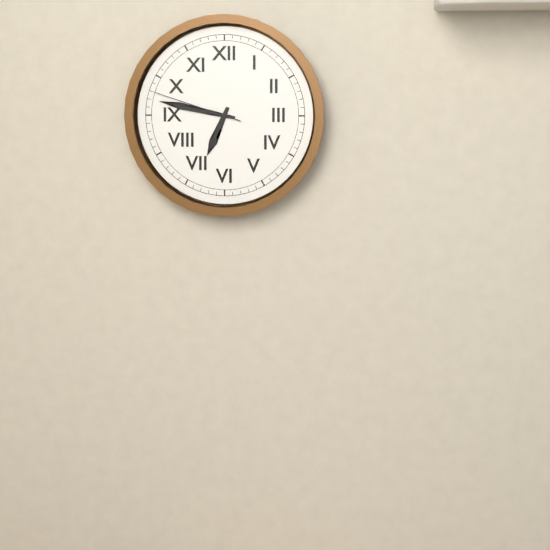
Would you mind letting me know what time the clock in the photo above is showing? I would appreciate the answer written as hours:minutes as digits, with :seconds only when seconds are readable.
6:47:48
